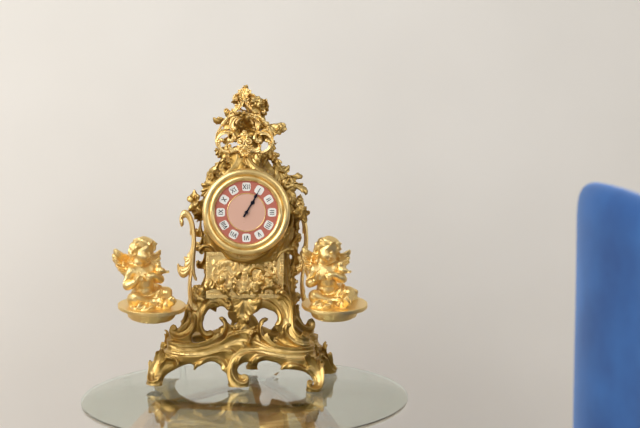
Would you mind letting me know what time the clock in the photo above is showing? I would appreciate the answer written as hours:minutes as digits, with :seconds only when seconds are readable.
1:05
